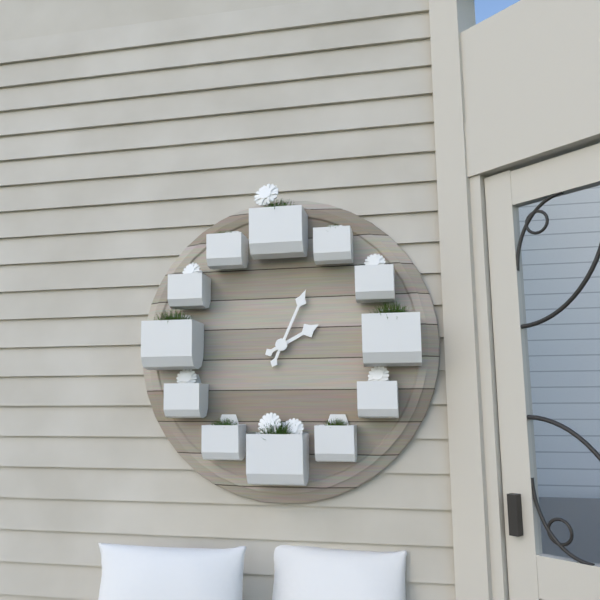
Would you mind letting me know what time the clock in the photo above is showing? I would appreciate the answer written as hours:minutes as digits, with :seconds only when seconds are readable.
2:04
